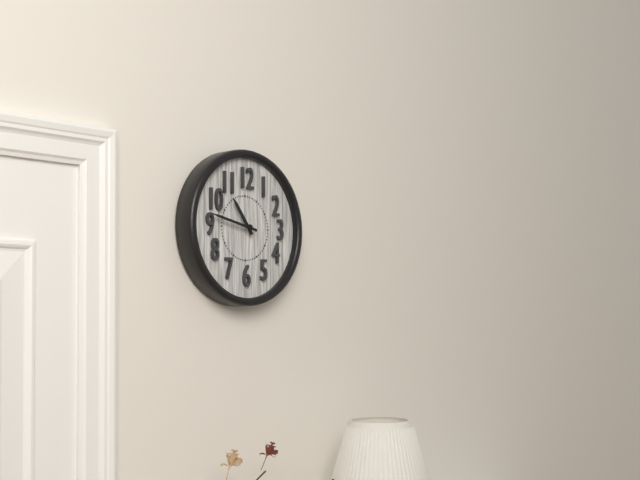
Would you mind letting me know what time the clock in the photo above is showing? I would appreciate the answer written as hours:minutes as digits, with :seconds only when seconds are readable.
10:47
